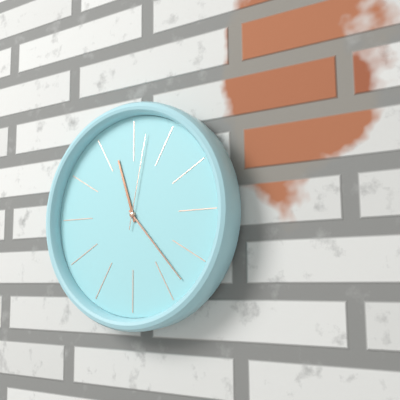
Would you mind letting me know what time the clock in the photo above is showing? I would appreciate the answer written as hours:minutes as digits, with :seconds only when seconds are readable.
11:23:02
